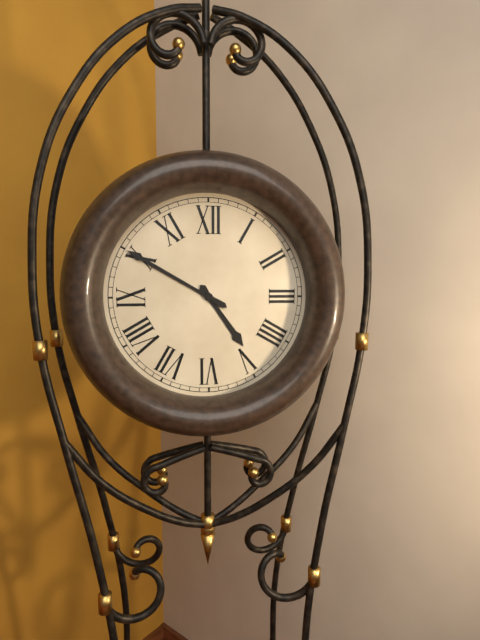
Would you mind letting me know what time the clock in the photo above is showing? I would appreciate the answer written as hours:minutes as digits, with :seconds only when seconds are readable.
4:50
